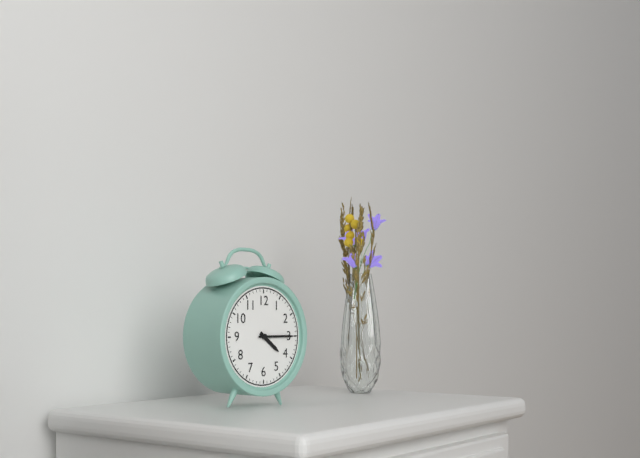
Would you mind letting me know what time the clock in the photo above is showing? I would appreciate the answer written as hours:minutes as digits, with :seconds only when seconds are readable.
4:15
